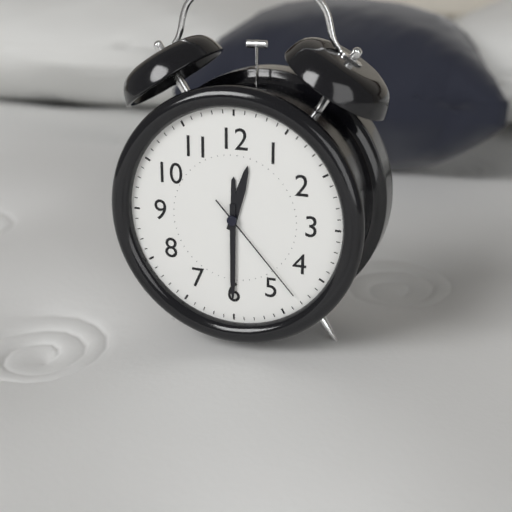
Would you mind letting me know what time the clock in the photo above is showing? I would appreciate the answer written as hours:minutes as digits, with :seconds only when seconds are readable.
12:30:23
